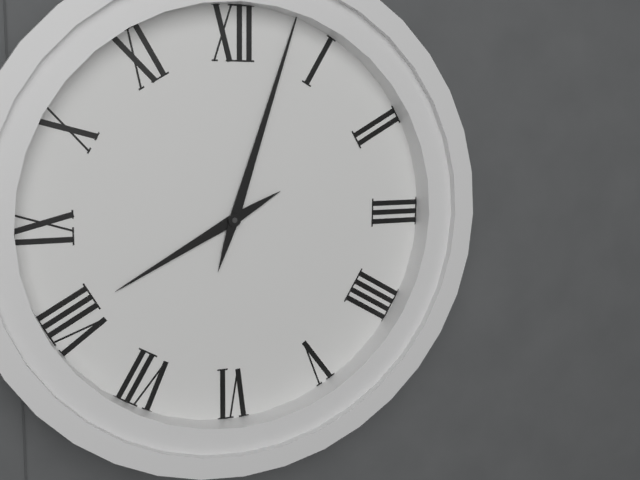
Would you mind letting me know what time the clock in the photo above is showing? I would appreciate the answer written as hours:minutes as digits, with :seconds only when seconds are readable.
8:03
